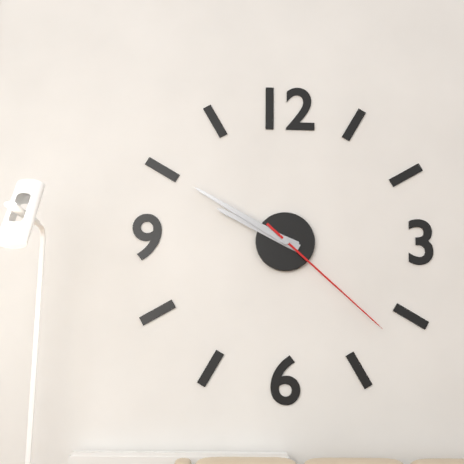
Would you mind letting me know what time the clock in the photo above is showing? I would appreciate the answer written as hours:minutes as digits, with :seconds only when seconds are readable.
9:50:22
